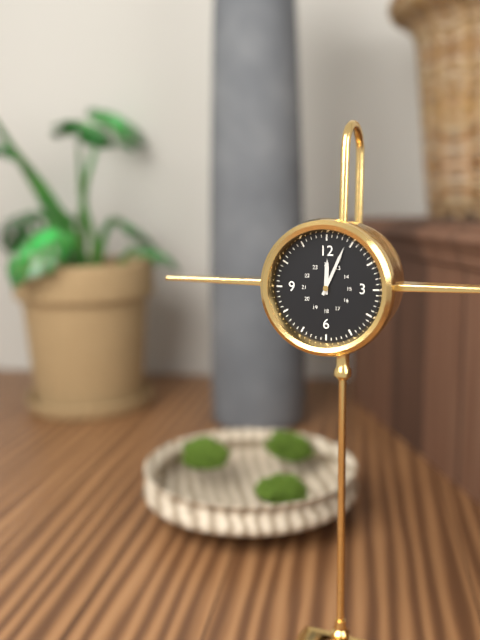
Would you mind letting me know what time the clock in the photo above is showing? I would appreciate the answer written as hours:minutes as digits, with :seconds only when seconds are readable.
12:04
